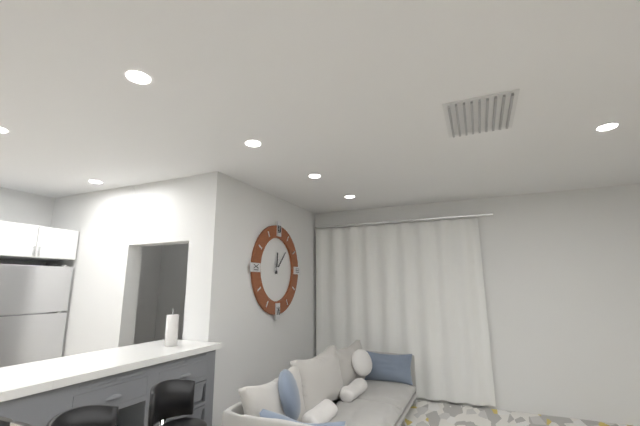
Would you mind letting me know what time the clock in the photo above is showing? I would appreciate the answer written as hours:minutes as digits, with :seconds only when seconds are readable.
12:07
